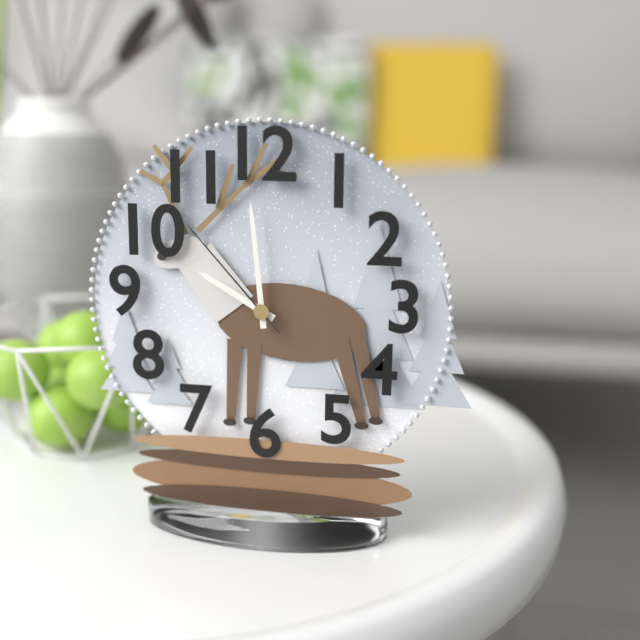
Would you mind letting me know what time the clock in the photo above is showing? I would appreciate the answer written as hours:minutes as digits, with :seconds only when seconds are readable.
9:59:53
